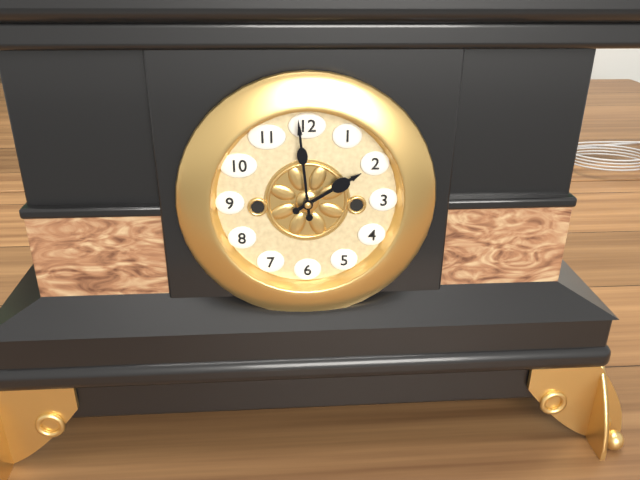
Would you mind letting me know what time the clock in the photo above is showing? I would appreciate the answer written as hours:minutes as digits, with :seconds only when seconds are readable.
1:59
